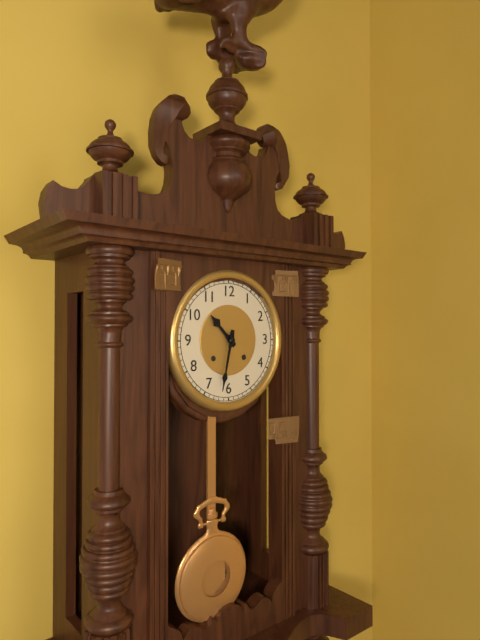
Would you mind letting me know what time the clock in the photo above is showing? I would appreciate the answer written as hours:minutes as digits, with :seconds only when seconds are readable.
10:32
